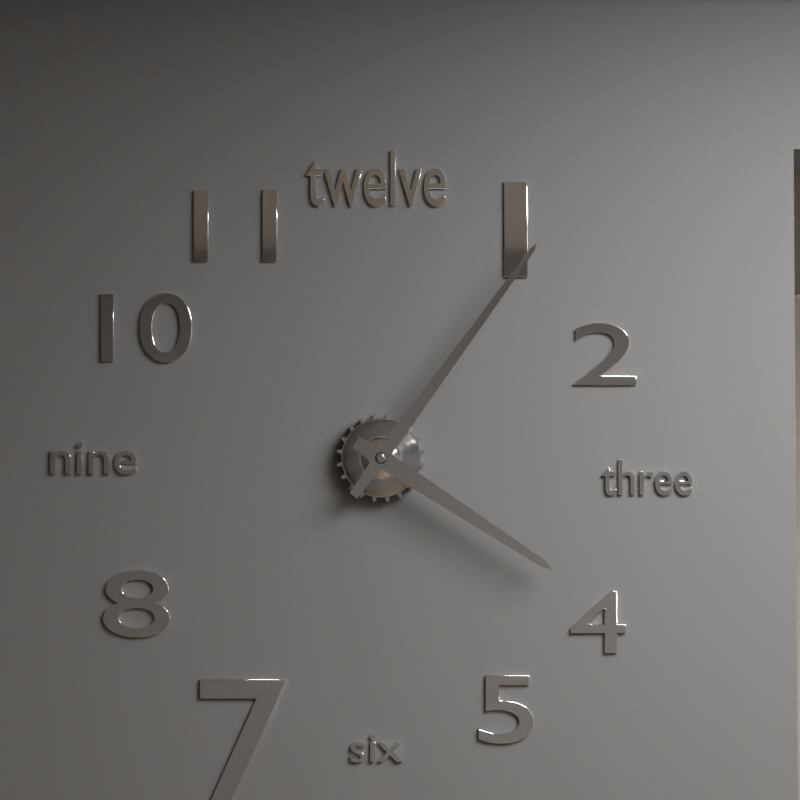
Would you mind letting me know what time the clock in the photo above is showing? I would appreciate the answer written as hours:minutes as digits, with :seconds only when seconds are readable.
4:06
